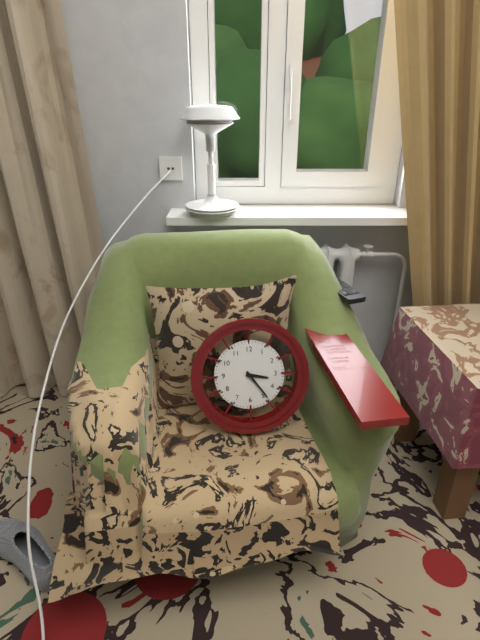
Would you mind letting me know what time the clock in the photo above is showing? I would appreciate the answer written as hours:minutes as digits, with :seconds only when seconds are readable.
3:24
